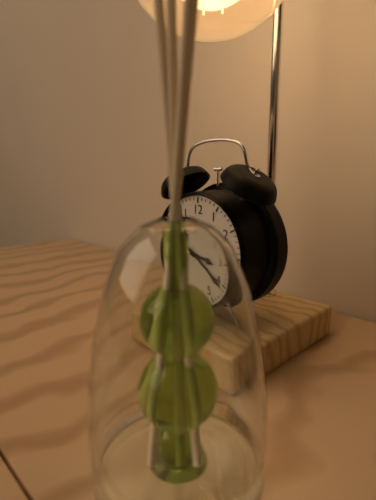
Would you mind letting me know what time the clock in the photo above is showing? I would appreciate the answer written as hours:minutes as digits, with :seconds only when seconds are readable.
3:21
